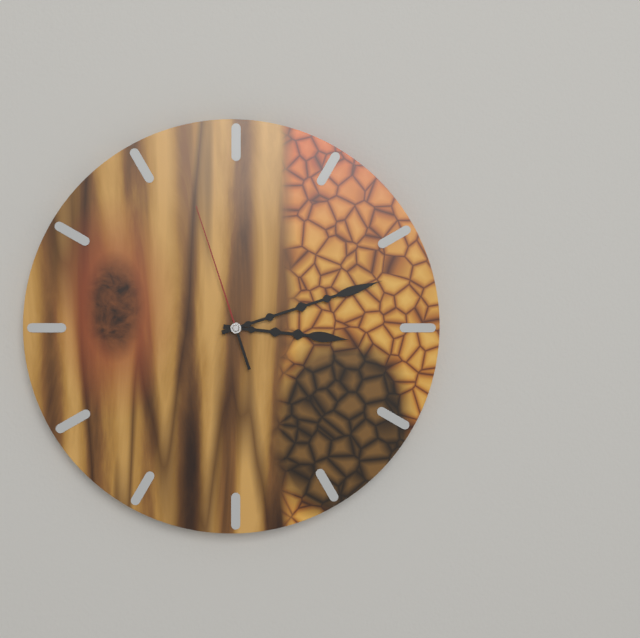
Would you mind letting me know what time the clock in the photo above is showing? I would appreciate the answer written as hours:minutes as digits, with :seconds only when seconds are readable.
3:12:57
